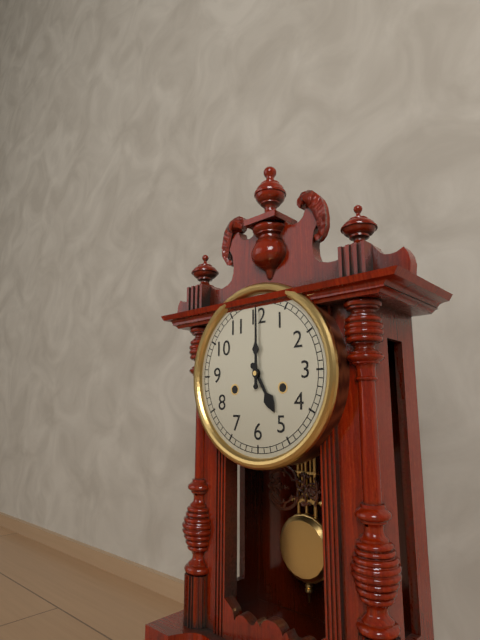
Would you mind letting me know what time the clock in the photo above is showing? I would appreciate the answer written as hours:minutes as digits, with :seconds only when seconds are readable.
5:00
